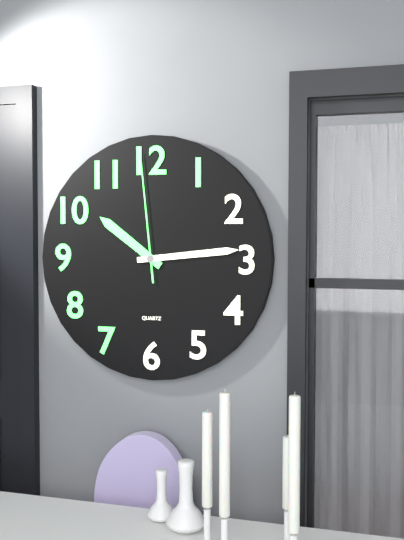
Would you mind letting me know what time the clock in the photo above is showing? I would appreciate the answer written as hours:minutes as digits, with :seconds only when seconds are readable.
10:14:59
